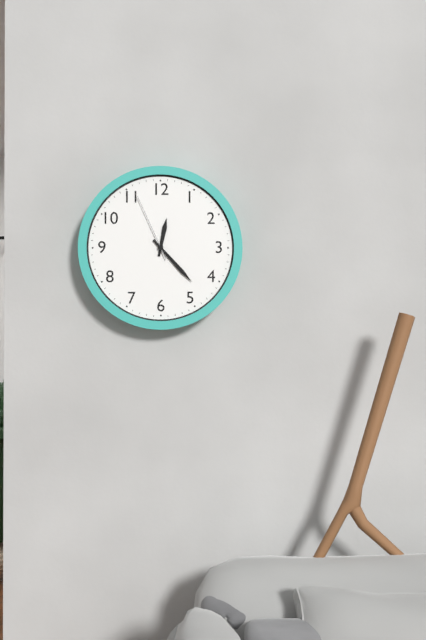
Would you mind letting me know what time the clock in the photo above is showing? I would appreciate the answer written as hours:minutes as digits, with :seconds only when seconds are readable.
12:23:56
